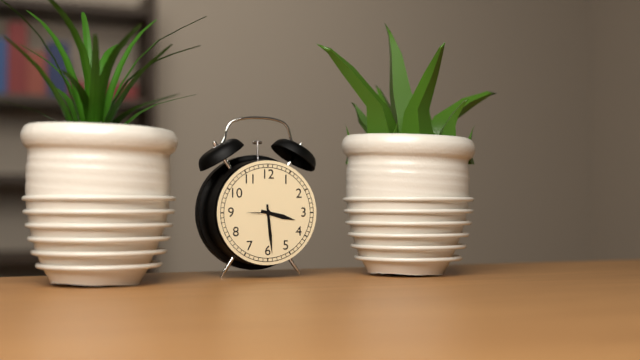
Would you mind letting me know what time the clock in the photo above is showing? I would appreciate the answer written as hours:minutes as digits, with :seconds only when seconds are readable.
3:29
